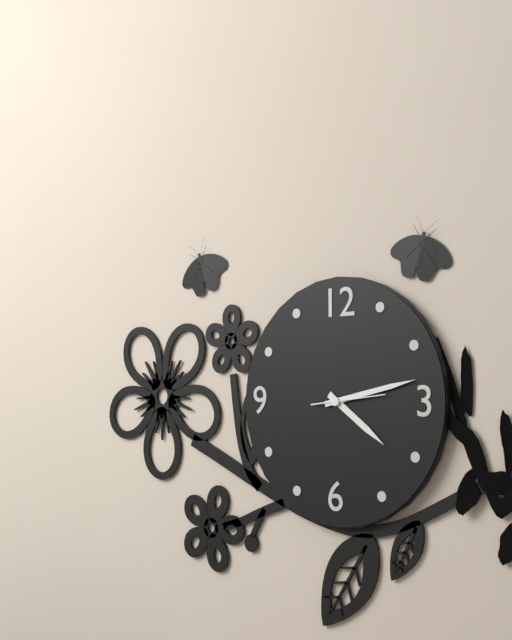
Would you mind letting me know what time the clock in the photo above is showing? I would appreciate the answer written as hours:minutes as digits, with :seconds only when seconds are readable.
4:13:14
